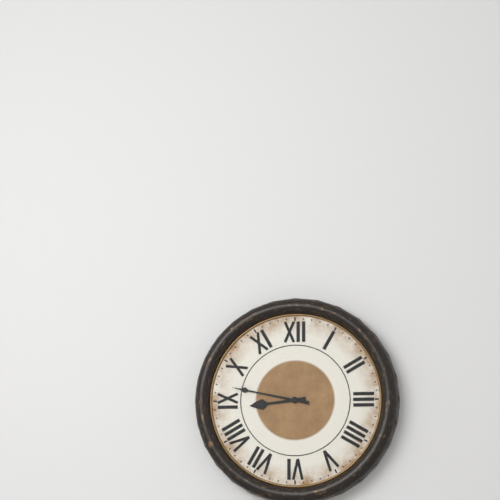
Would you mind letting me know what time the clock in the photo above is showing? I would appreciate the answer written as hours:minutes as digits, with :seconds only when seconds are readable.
8:47
